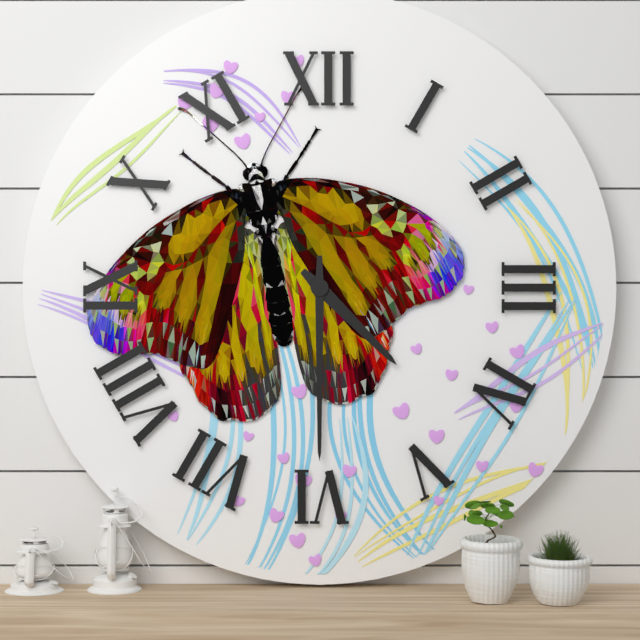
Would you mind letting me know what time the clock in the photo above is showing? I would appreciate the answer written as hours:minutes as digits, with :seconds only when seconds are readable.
4:30
